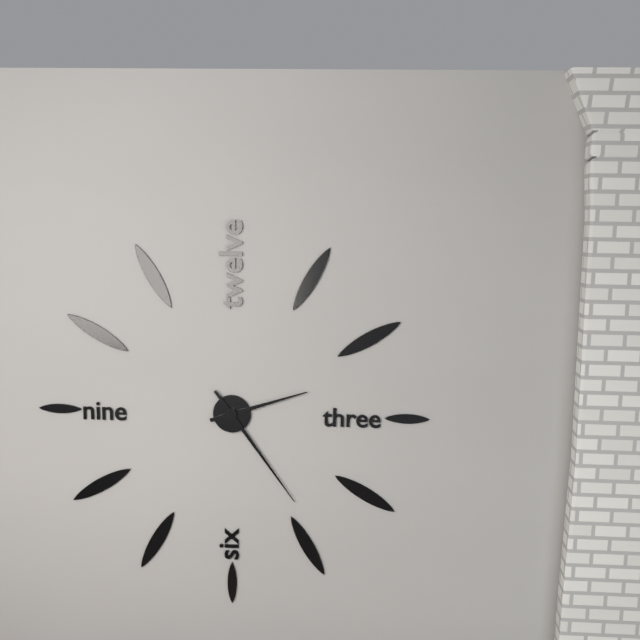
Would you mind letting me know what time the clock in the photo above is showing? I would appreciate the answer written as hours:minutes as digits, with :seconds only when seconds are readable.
2:24
